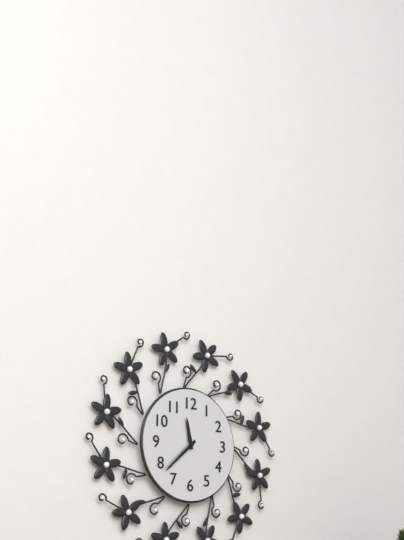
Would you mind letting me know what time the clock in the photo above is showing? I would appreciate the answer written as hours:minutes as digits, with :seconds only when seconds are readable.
11:38
